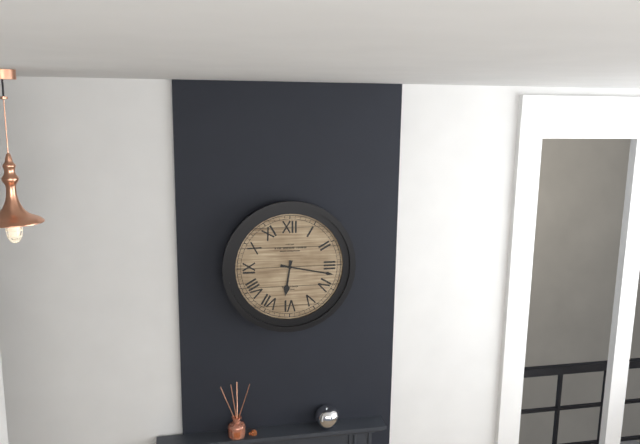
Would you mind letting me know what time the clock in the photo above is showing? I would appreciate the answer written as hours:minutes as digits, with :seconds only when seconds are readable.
6:17
